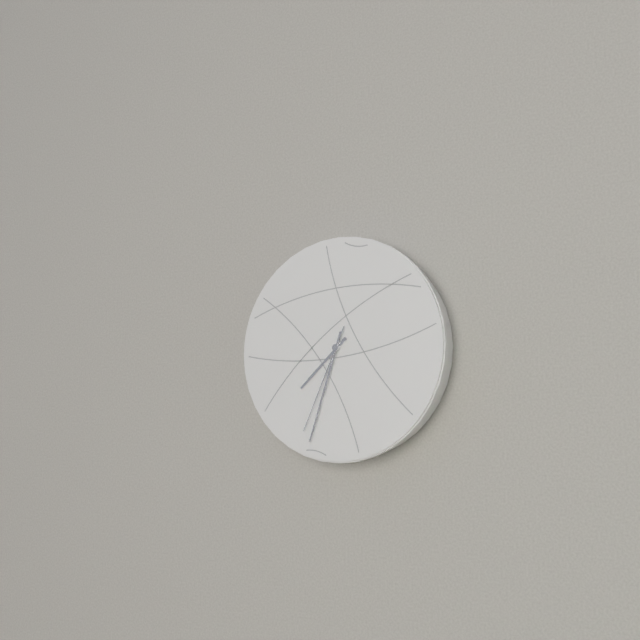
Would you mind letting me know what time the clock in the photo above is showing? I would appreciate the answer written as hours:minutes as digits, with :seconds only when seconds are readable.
7:33:34
